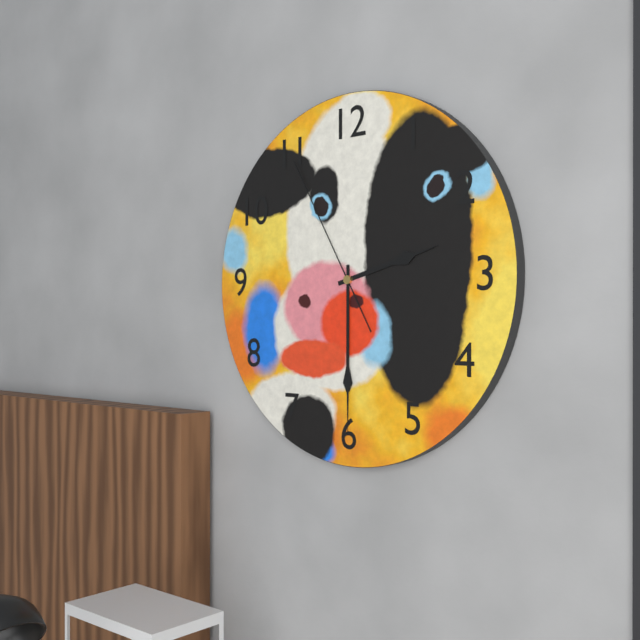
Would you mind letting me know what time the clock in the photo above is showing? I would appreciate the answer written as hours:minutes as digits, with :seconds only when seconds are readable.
2:30:55
